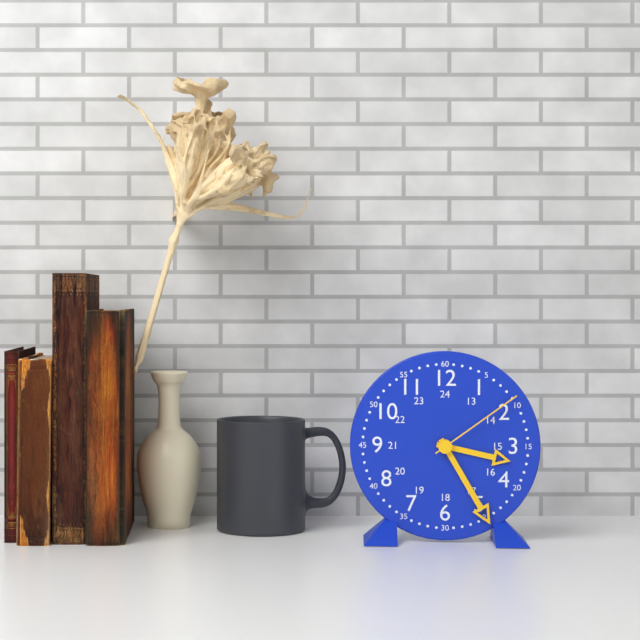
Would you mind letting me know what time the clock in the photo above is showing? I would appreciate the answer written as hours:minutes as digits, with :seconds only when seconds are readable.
3:25:09
